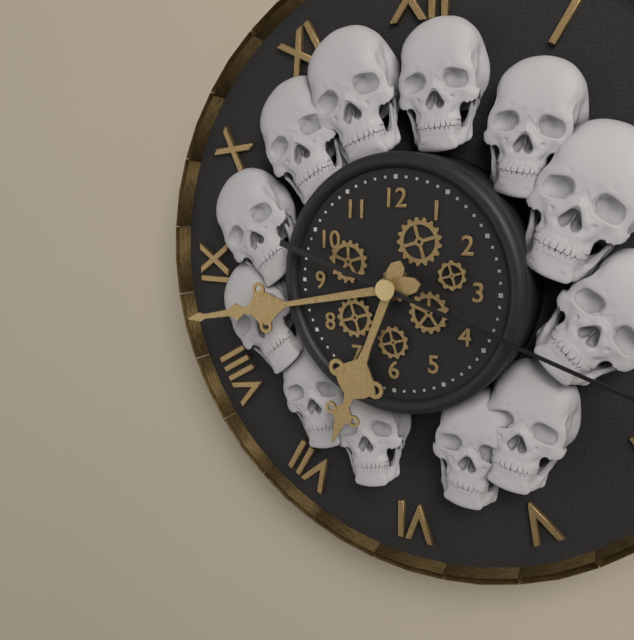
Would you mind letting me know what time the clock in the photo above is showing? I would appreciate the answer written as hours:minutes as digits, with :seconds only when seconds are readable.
6:43
